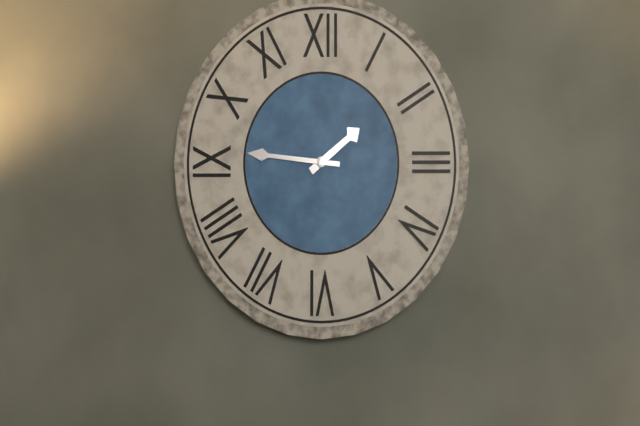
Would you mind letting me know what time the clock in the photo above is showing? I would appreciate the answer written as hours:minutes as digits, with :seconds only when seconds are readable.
1:46
